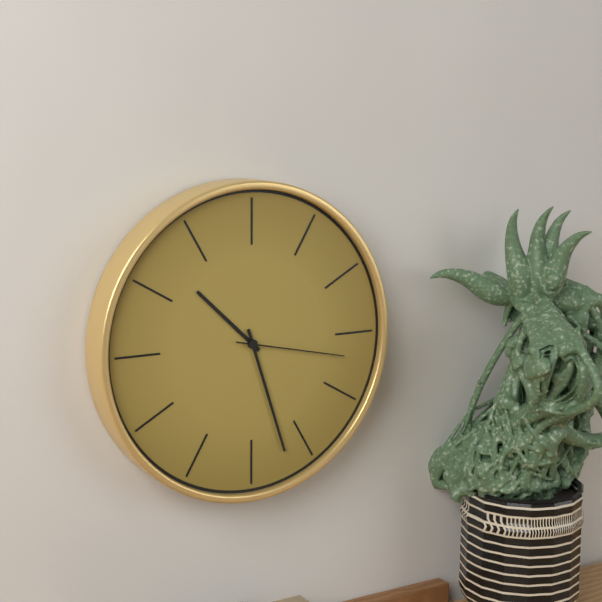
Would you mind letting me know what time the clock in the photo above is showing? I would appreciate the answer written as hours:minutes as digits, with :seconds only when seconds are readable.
10:27:17
